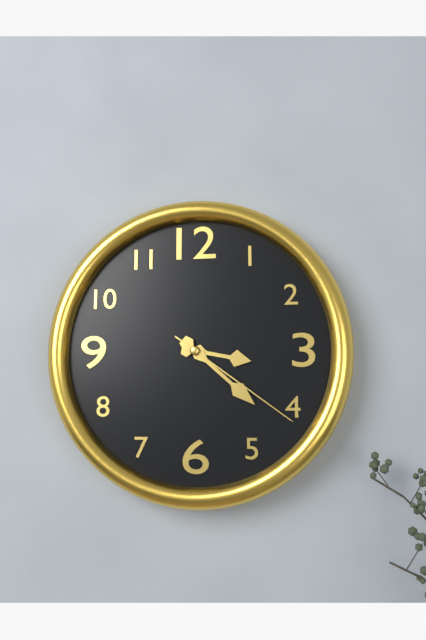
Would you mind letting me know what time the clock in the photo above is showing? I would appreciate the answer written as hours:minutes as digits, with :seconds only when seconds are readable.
3:22:21
